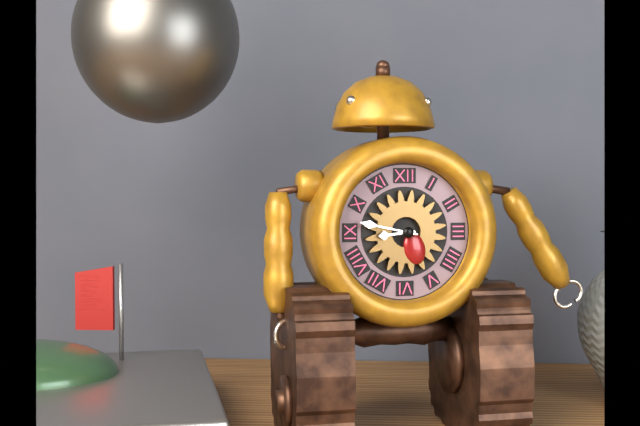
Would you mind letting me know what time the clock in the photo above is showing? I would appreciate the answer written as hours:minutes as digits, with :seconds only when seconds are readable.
8:47
